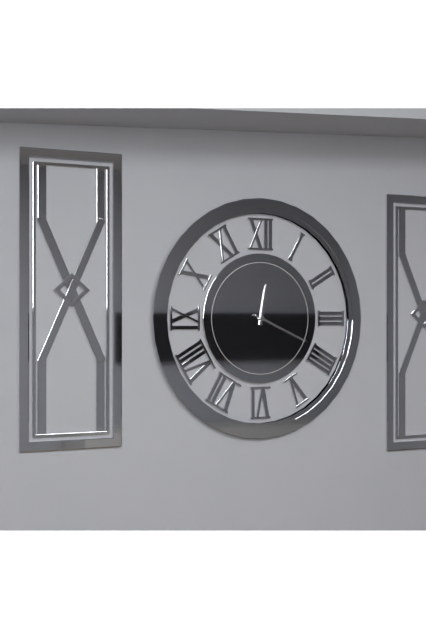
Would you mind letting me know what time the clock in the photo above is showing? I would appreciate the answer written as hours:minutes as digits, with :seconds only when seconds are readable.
12:19
